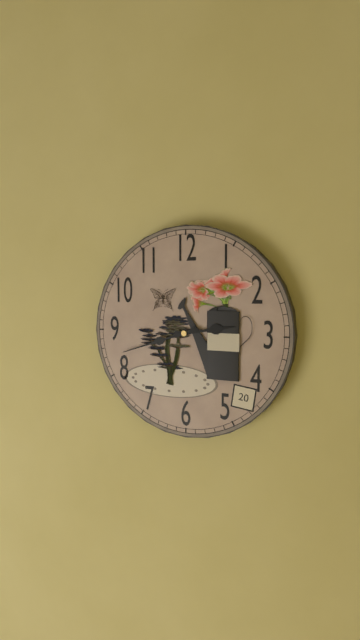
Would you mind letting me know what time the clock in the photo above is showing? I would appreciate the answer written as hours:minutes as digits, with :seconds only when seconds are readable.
2:42
